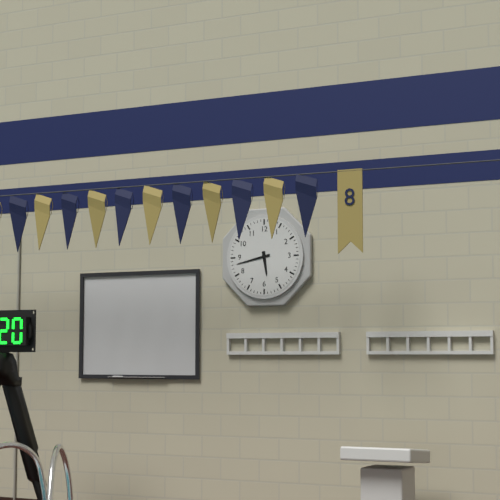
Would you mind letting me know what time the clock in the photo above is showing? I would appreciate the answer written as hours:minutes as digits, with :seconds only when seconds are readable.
5:43
